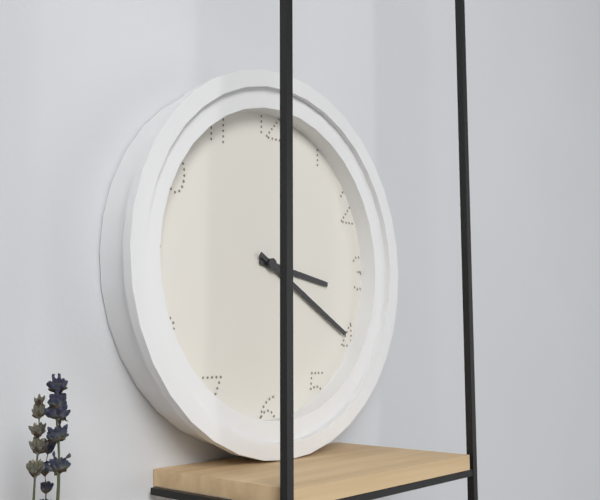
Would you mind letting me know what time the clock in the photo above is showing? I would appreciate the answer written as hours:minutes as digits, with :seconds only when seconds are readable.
3:20
